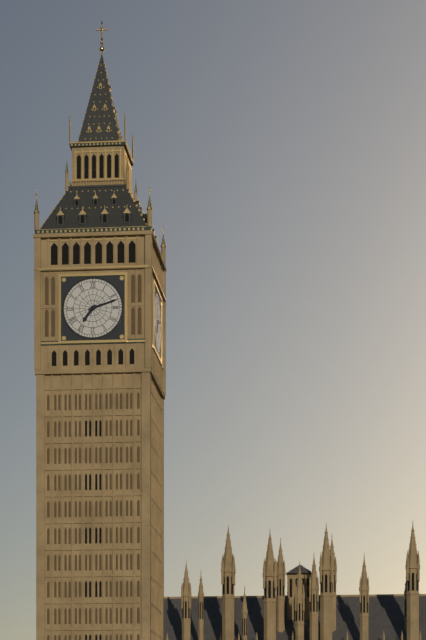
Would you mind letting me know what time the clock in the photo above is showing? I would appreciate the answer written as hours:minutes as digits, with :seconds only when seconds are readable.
7:12
